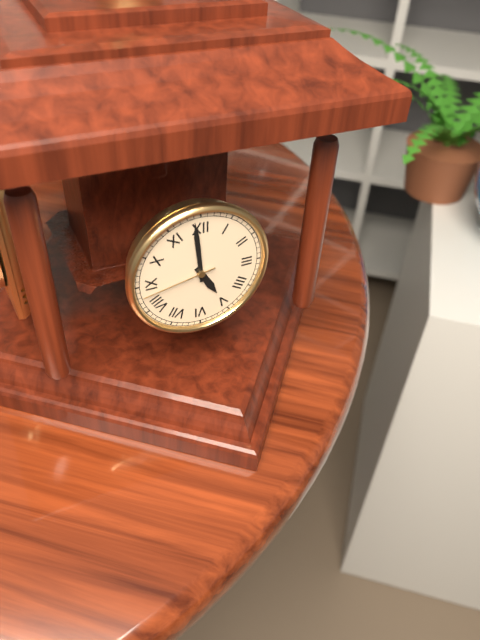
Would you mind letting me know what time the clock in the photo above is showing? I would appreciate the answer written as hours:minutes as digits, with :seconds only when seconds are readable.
4:59:43
